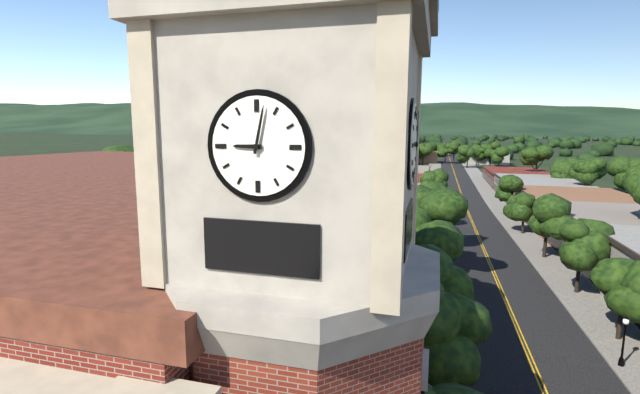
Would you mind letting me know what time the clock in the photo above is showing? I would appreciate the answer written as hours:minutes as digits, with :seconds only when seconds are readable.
9:02
